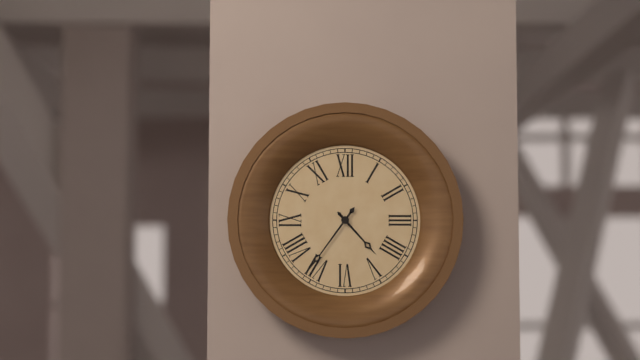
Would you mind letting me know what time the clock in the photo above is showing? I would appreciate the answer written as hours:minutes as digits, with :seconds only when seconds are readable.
4:36
